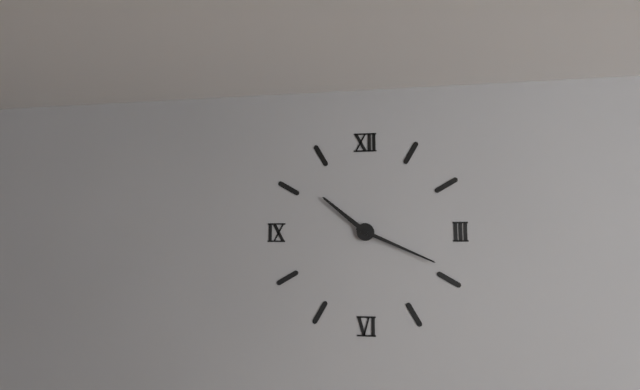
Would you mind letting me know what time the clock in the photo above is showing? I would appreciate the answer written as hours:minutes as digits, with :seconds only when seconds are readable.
10:19
